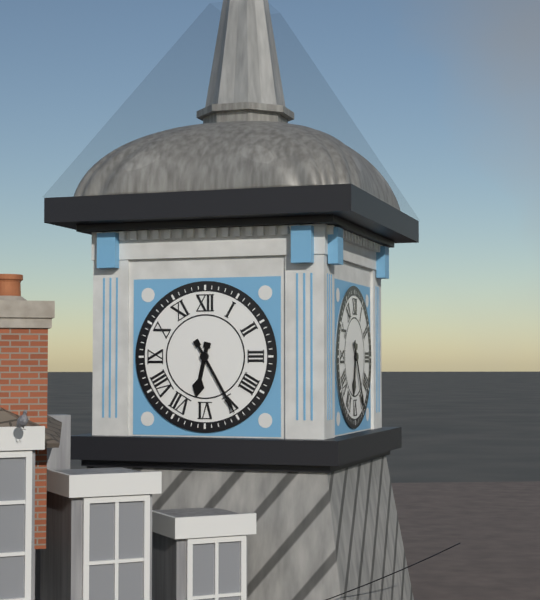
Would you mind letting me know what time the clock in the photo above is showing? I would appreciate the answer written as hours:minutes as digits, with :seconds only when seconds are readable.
6:25
